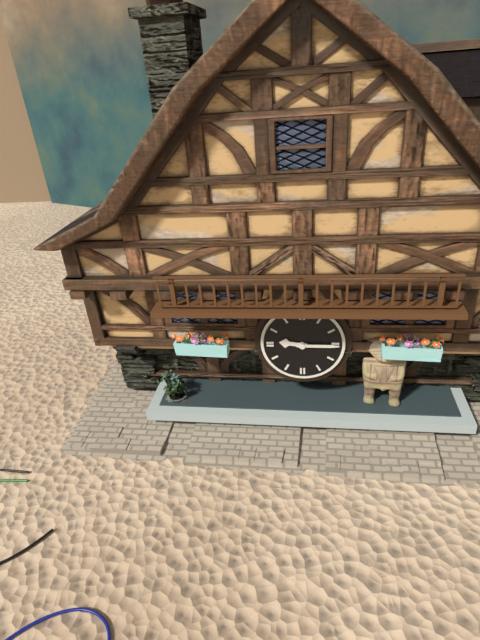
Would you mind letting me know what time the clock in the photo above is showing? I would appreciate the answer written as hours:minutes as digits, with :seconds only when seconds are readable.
9:15
